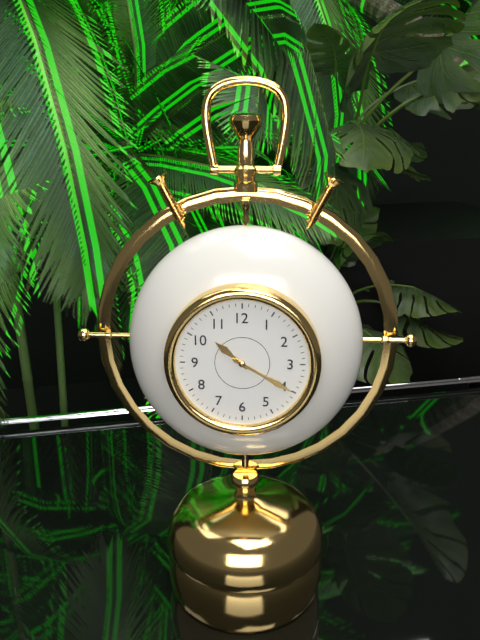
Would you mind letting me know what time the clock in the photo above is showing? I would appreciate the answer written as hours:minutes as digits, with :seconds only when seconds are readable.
10:20
